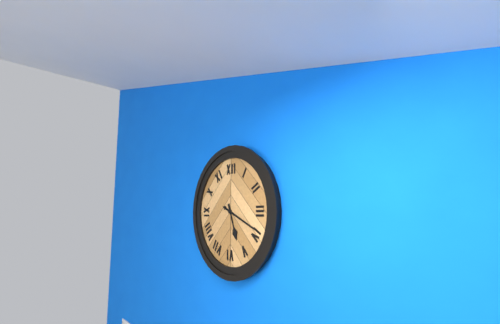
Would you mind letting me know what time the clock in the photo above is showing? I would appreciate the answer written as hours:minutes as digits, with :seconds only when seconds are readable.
5:19
